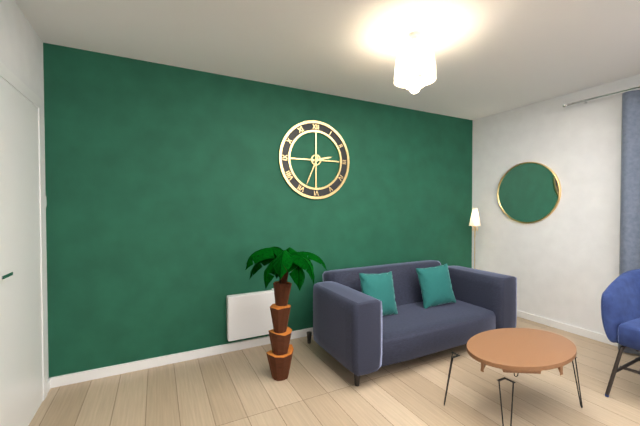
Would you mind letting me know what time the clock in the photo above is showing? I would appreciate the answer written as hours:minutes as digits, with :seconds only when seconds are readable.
2:34
